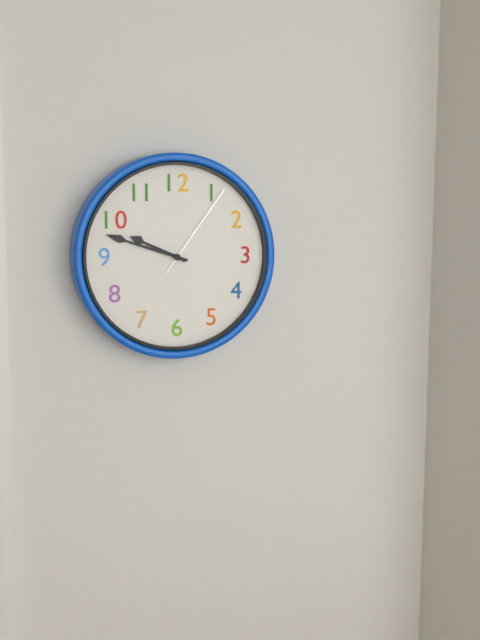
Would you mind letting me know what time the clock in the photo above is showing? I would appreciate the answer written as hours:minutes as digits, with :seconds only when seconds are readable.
9:48:06
